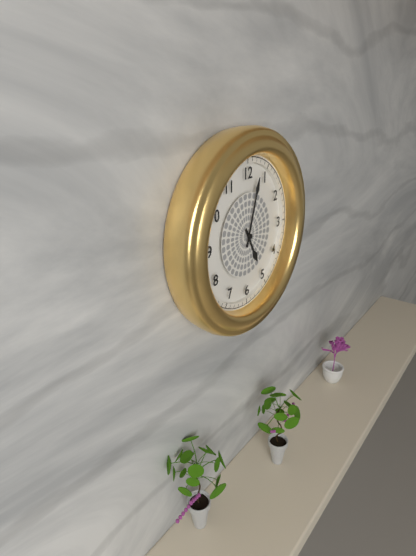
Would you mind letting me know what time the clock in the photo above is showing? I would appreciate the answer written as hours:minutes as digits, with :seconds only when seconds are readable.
5:03
